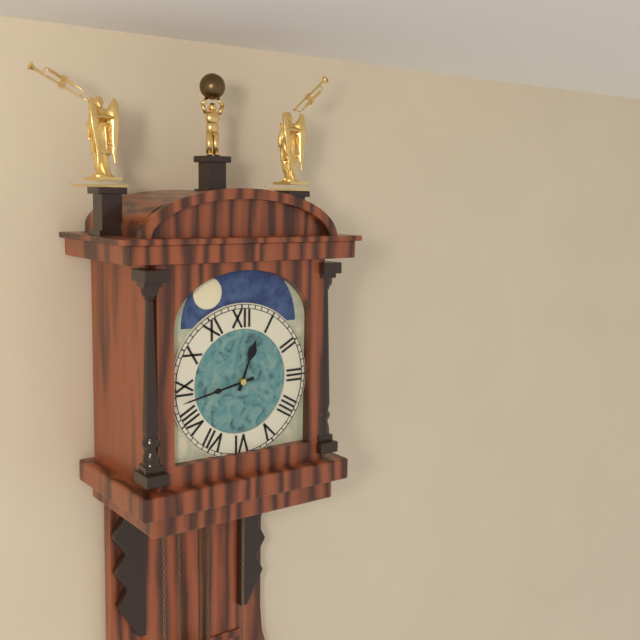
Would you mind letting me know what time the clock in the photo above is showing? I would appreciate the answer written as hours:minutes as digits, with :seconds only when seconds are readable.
12:43
